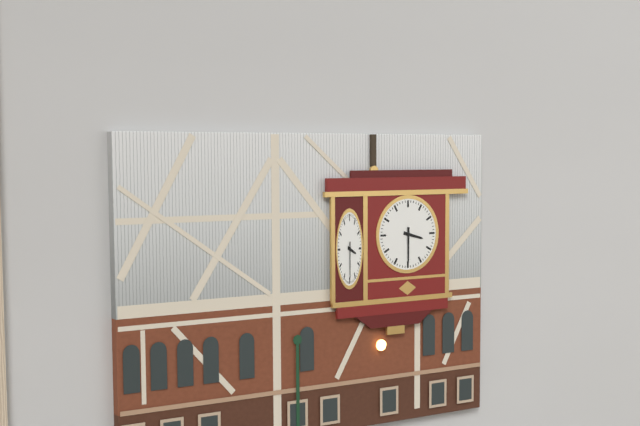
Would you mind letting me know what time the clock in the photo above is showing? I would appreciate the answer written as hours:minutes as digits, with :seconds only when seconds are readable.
3:30
